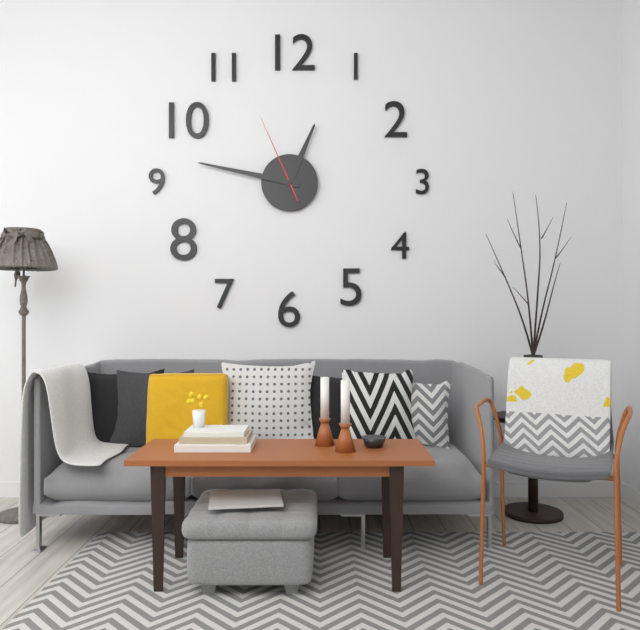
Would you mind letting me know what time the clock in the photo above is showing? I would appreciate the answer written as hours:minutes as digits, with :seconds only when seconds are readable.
12:47:56
